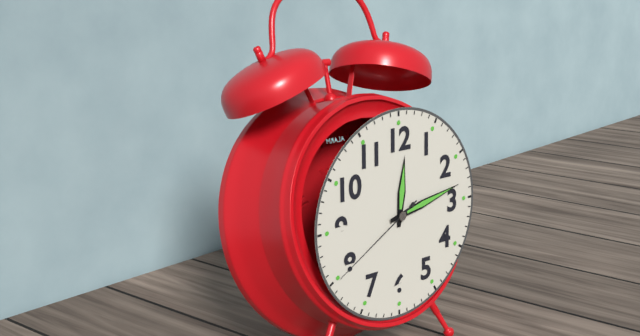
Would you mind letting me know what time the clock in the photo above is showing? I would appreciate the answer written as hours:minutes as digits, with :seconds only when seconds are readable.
12:13:40
